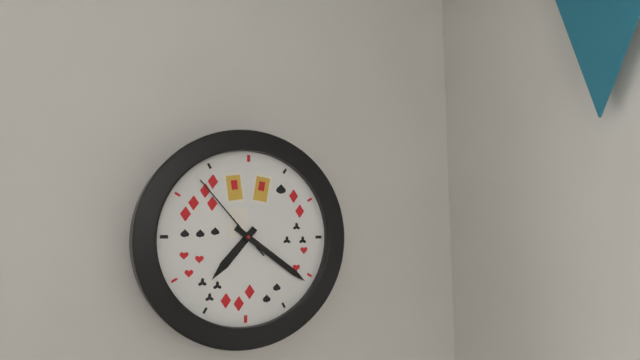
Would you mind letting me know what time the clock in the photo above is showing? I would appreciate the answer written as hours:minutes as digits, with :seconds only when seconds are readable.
7:21:53
